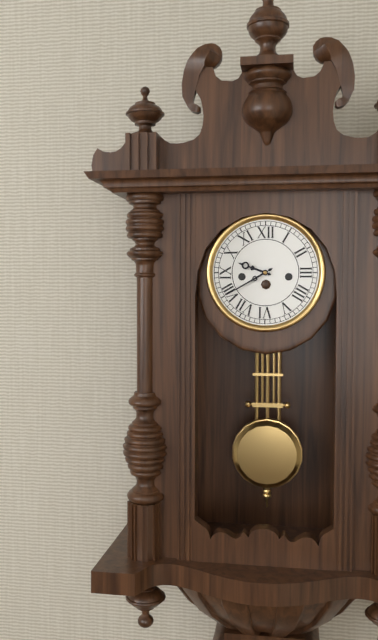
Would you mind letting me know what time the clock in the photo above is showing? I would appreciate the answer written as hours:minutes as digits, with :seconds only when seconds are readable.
9:40
